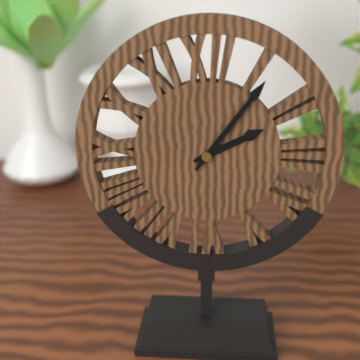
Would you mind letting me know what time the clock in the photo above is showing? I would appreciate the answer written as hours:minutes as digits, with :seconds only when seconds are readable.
2:06
